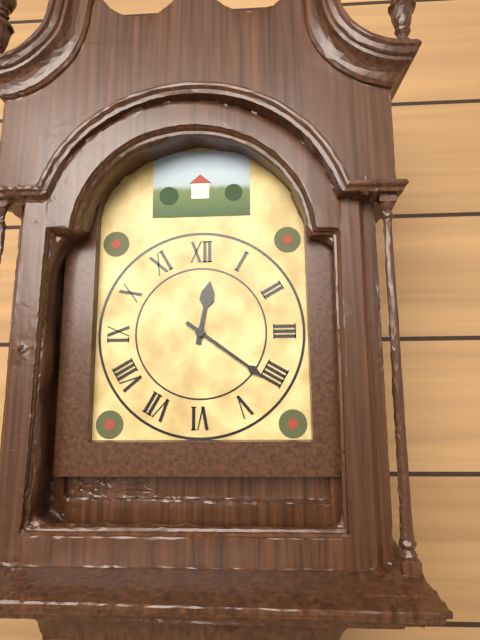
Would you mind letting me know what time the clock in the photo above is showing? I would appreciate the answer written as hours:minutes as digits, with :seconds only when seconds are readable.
12:21
